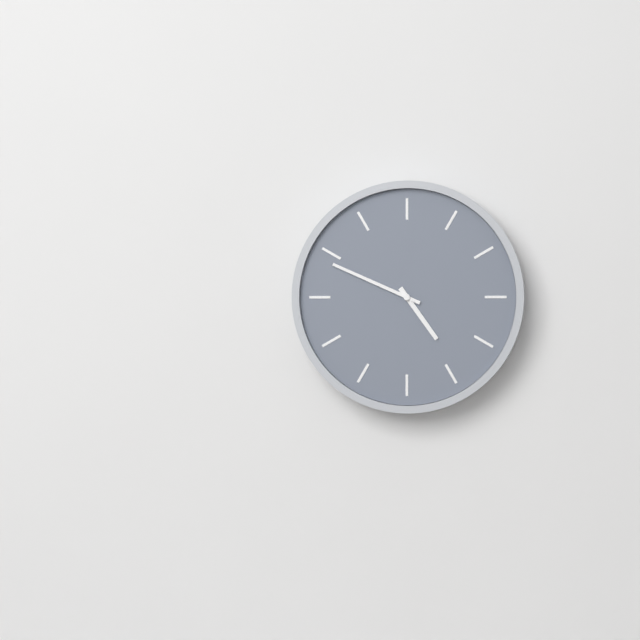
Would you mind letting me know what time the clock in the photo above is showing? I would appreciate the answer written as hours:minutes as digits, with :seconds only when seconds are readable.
4:49
